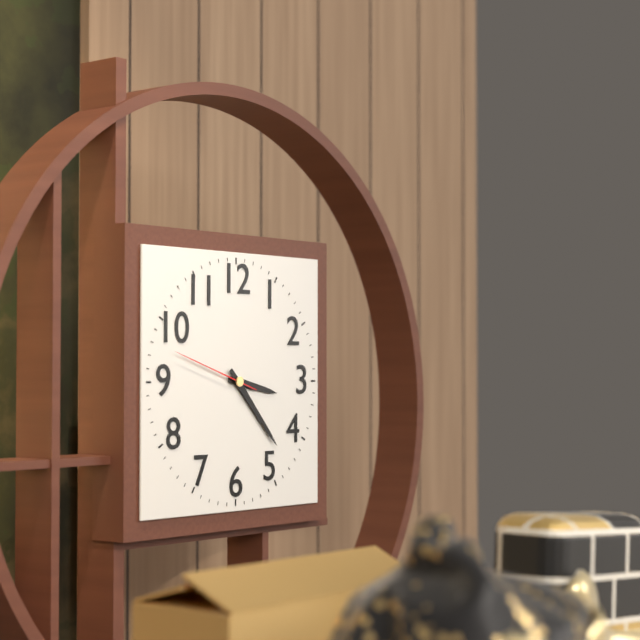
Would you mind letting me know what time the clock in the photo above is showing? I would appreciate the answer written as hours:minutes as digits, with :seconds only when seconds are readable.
3:23:48
